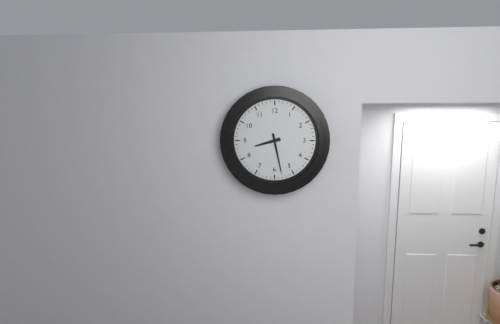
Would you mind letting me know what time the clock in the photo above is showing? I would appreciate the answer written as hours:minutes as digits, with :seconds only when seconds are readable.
8:28
